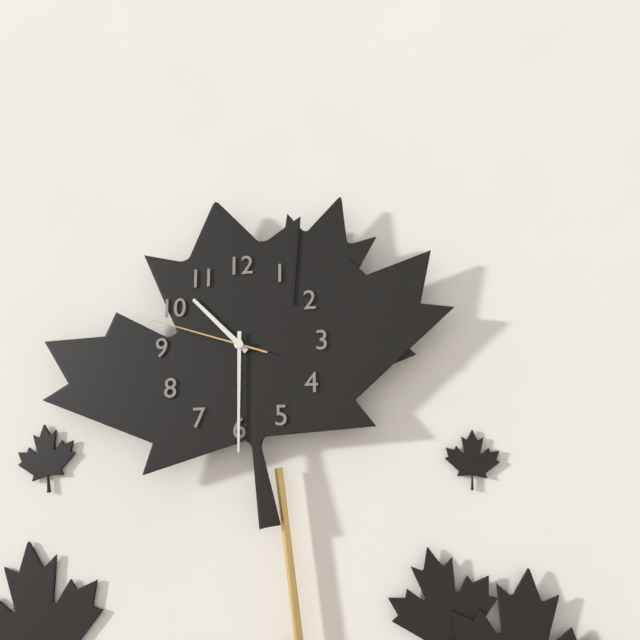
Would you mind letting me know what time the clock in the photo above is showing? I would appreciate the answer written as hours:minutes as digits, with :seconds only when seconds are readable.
10:30:48
